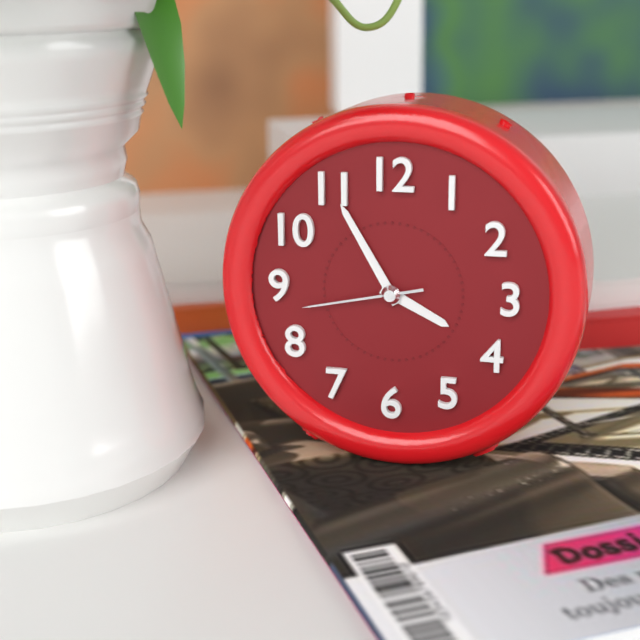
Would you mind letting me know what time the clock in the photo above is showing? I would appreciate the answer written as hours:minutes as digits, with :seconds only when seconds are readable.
3:55:43
